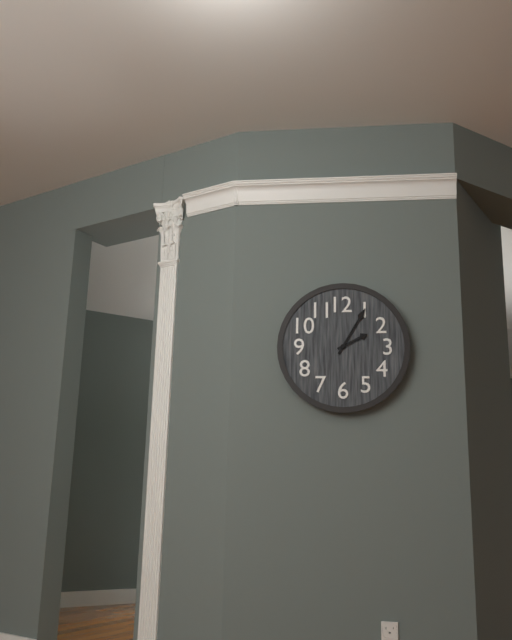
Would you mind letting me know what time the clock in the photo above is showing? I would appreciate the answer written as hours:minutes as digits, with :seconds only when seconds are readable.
2:05
